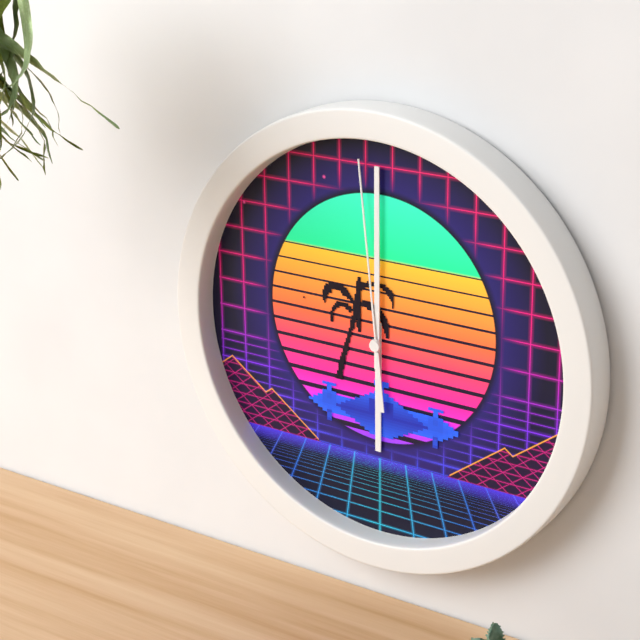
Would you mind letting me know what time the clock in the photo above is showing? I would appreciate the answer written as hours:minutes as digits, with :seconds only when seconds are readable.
6:00:59
